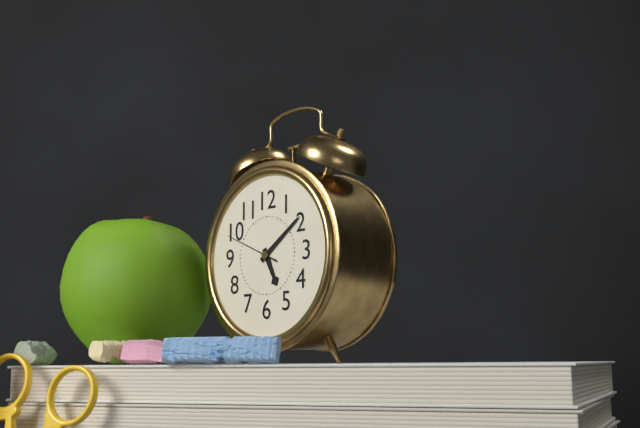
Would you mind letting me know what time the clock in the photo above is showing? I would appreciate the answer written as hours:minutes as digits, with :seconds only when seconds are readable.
5:09:49
